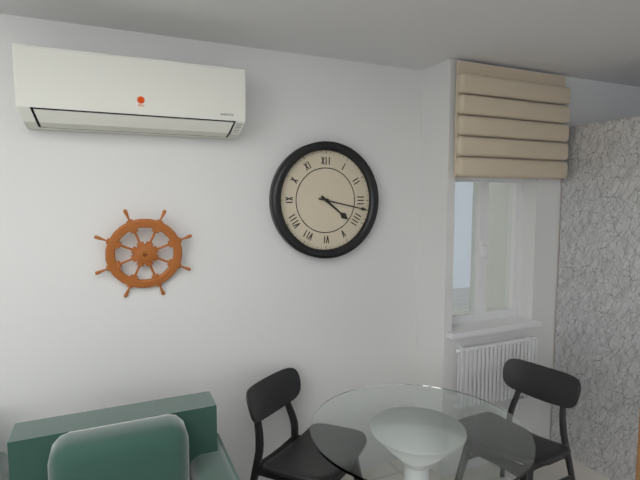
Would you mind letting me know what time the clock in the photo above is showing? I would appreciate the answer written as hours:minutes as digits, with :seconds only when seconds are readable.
4:17
